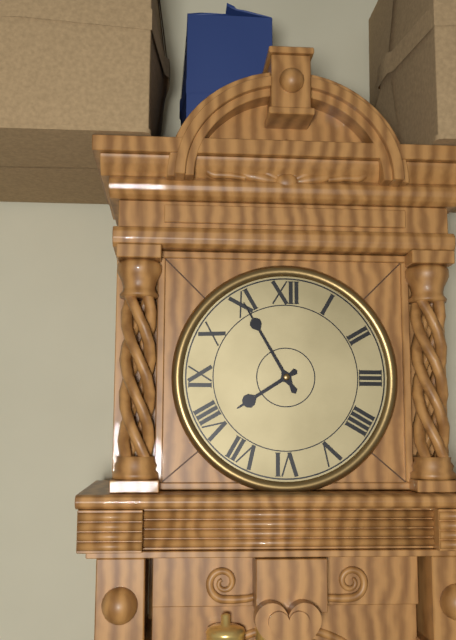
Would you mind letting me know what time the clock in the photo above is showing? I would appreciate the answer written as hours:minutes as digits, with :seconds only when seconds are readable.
7:55
